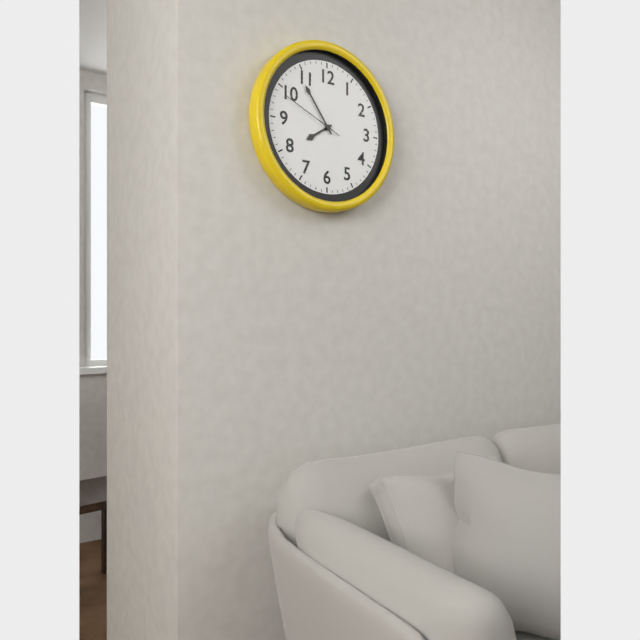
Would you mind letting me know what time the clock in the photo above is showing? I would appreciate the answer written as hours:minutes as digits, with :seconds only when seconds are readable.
7:54:49
